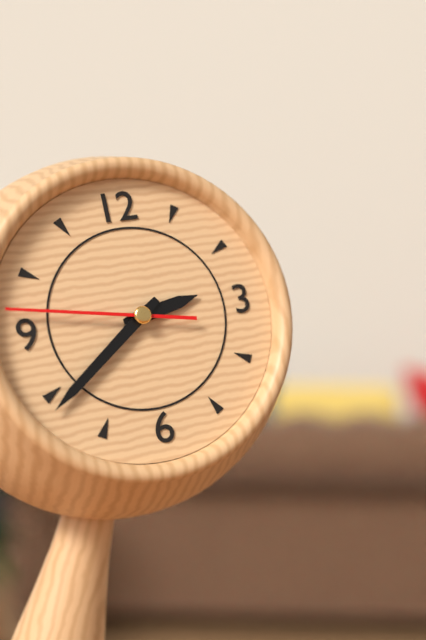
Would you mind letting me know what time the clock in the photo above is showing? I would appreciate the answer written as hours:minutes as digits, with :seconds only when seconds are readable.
2:39:47
